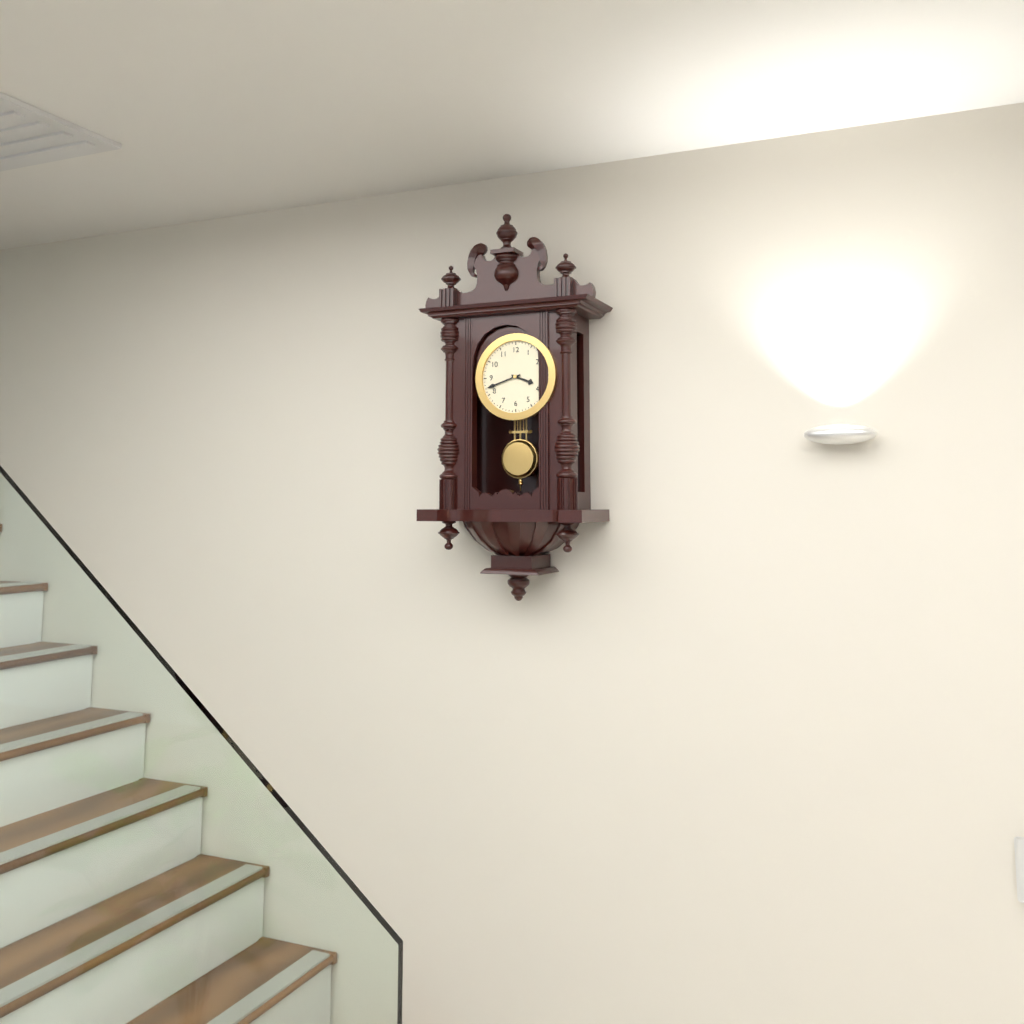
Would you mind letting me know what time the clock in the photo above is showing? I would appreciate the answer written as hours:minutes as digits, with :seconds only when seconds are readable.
3:42
